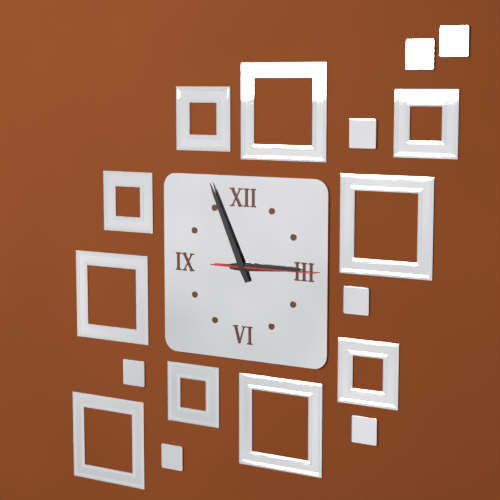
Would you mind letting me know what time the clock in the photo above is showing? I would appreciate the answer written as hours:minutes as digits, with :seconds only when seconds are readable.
2:56:15
